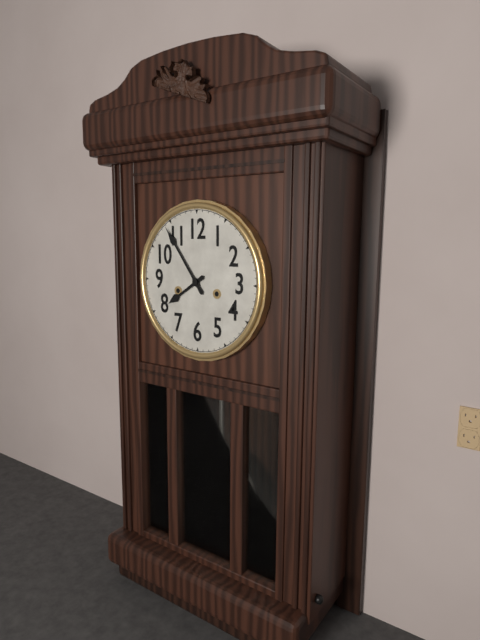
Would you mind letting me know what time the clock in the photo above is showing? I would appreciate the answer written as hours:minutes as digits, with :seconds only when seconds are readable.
7:54
